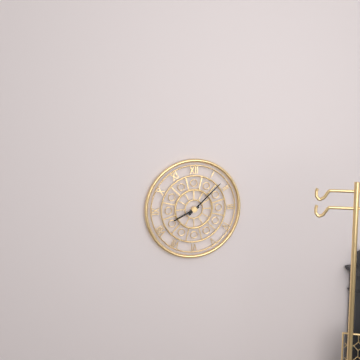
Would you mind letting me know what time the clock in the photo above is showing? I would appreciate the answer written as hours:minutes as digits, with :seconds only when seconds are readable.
8:08
